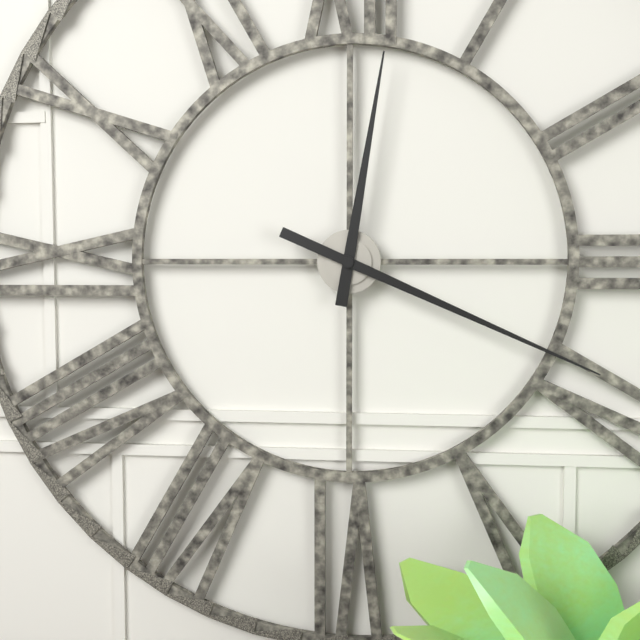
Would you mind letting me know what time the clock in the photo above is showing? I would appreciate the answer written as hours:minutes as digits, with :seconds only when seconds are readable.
12:19
